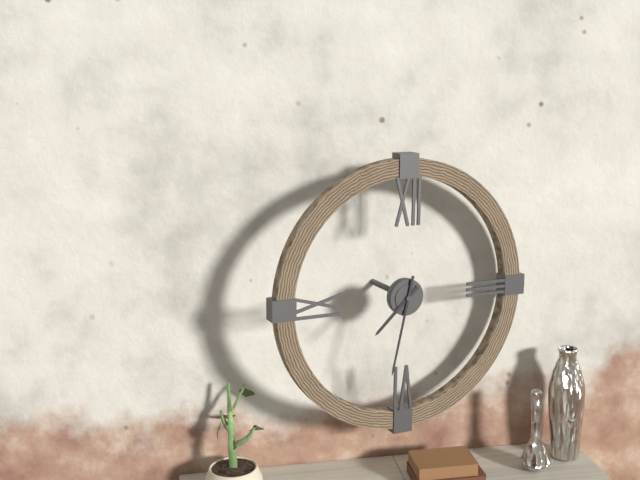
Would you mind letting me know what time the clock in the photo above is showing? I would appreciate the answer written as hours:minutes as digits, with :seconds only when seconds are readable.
7:32
